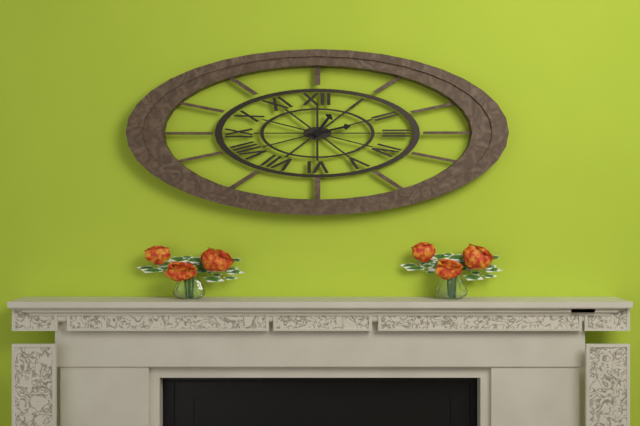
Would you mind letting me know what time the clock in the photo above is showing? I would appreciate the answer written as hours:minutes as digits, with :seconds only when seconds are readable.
1:13
